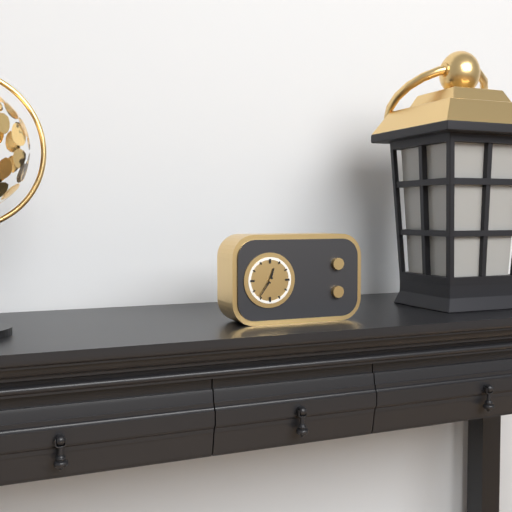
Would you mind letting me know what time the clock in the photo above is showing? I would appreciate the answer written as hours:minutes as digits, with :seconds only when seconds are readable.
12:36
